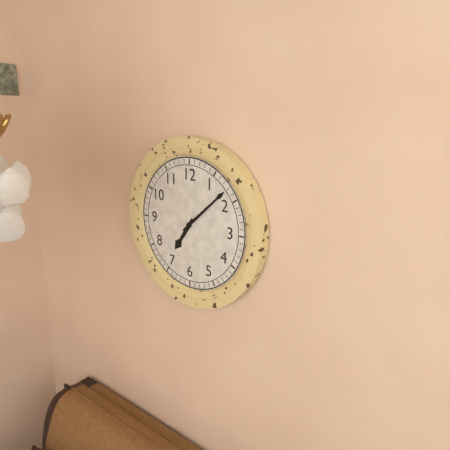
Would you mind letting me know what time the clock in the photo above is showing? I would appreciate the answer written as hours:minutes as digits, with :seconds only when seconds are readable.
7:08
